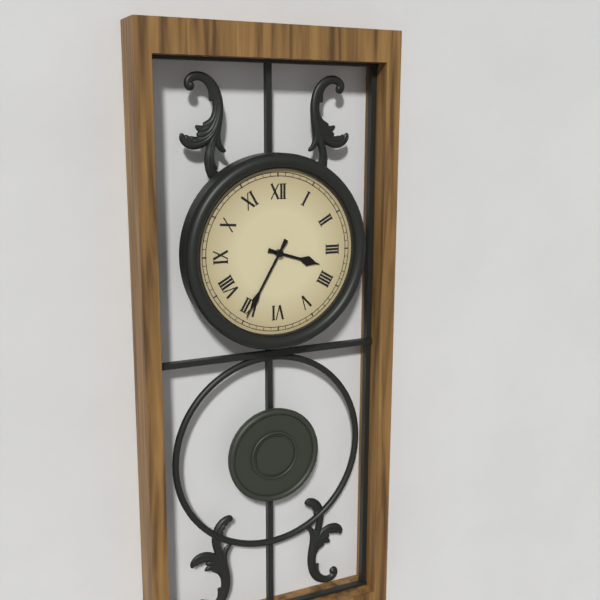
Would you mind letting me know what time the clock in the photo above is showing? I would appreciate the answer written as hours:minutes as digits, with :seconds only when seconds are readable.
3:35
